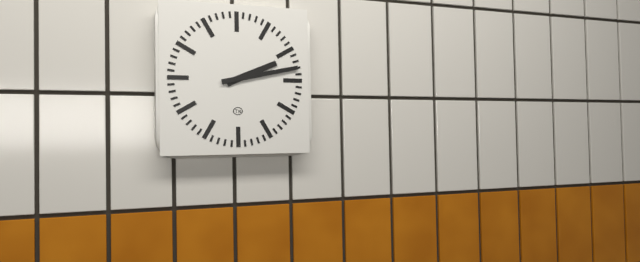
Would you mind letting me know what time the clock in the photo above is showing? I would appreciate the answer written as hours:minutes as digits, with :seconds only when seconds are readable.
2:13
